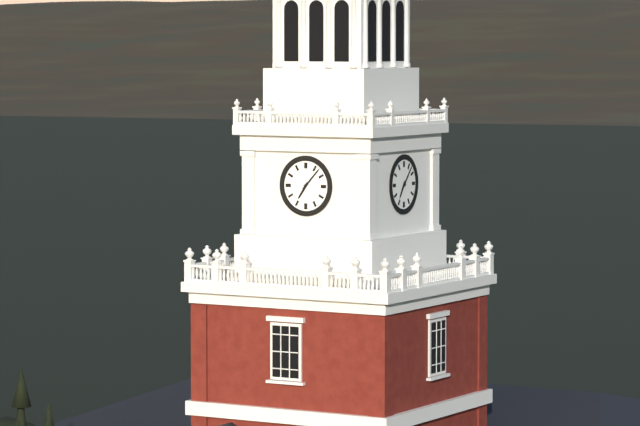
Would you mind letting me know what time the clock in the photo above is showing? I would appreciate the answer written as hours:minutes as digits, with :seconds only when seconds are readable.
7:07
